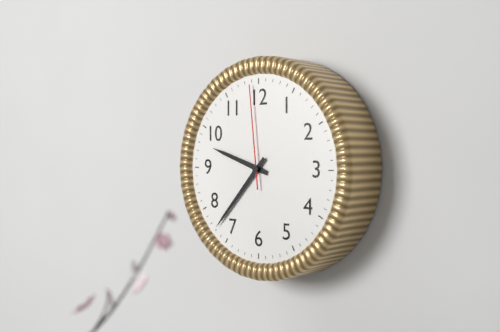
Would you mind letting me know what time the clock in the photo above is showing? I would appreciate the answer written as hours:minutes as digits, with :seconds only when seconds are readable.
9:37:59
